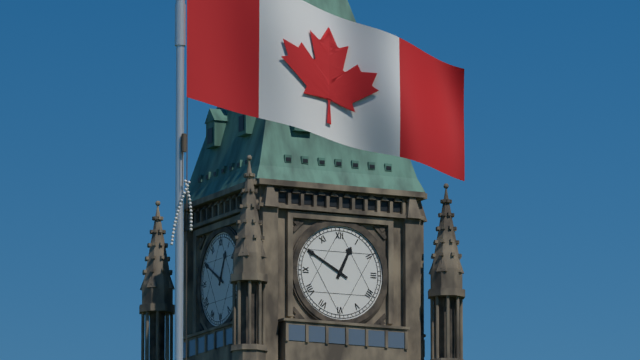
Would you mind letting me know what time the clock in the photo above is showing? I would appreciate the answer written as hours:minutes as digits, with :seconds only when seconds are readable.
12:50
